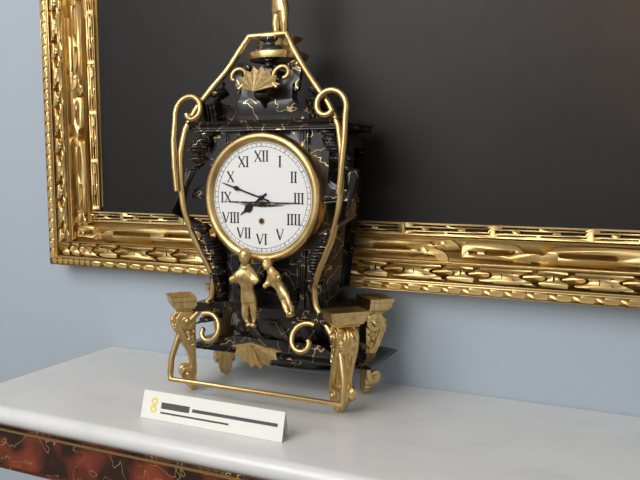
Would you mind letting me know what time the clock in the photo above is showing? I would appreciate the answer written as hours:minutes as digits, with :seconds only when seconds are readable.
7:48
